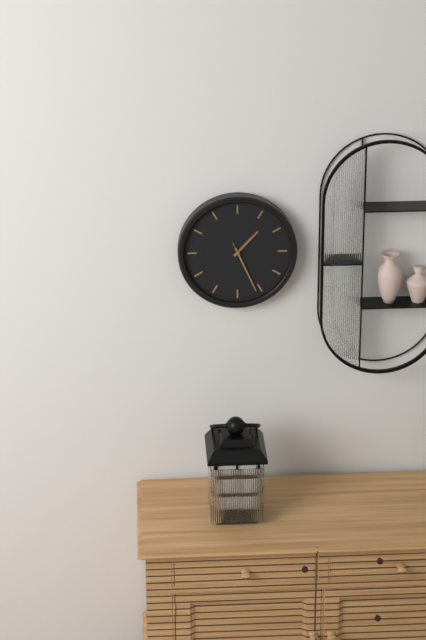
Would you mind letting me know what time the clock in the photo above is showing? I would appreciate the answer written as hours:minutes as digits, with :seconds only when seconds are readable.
1:26:26
